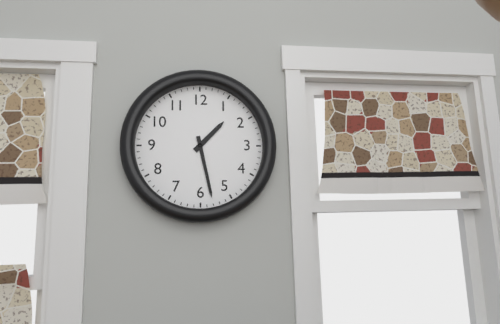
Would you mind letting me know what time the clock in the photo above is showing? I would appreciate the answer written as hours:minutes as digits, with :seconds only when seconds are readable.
1:28
